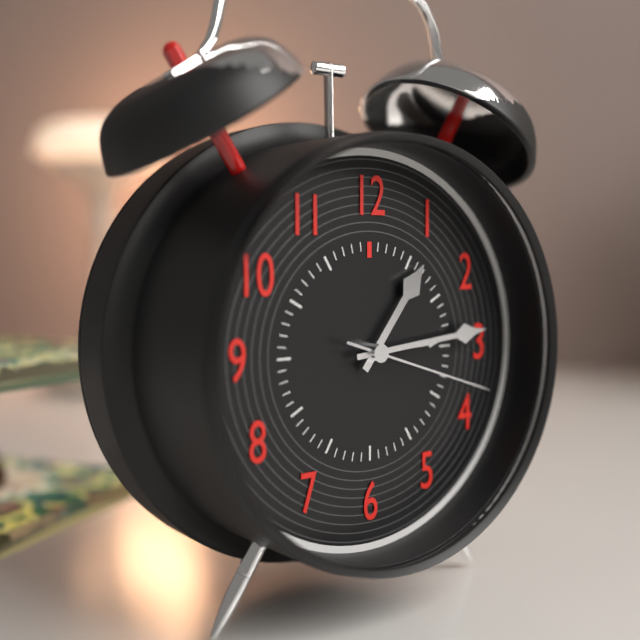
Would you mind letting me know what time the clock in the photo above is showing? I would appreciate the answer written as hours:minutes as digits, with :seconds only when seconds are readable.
1:14:18
